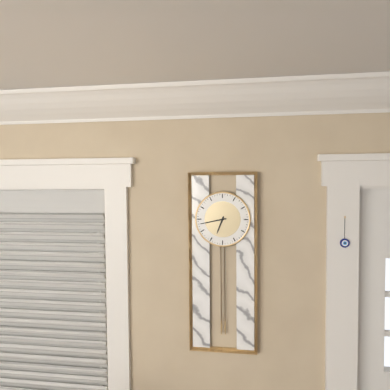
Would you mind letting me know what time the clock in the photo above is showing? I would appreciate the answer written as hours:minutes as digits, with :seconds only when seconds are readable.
6:43
